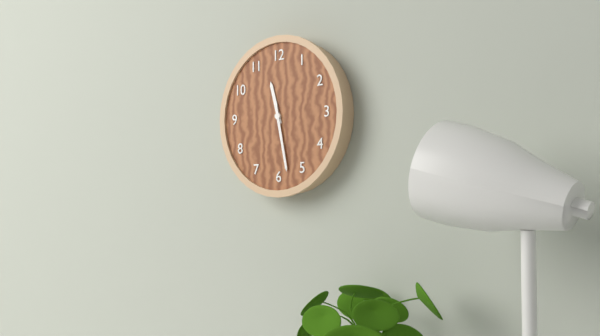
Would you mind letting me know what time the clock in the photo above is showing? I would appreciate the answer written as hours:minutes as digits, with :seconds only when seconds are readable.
11:28
